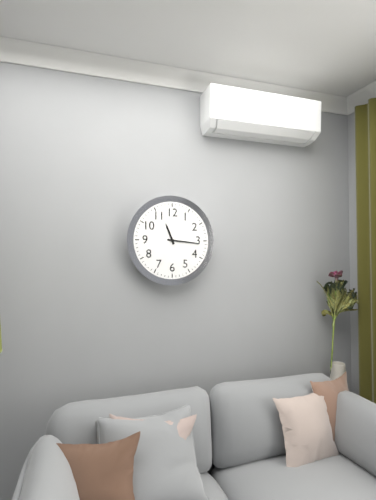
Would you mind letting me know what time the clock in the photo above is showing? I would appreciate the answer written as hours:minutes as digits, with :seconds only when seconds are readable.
11:16
